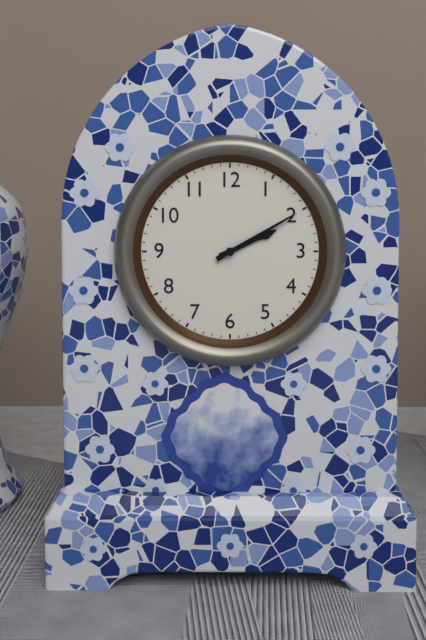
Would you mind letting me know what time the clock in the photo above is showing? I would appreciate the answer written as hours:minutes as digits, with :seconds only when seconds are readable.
2:10
